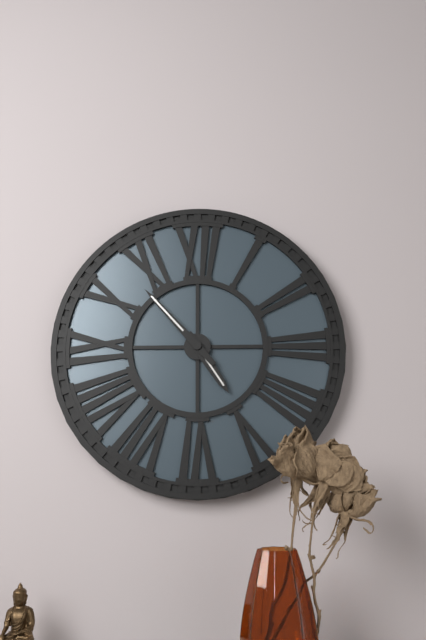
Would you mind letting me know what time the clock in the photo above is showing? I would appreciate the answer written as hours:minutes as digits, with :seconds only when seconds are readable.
4:53
